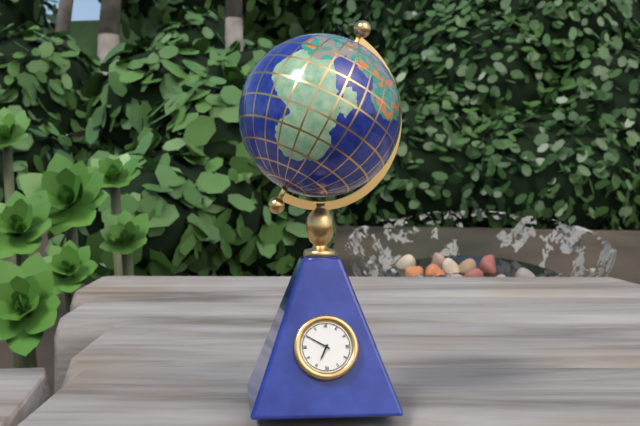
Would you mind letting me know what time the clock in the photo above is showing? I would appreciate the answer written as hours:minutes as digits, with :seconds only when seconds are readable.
6:50
